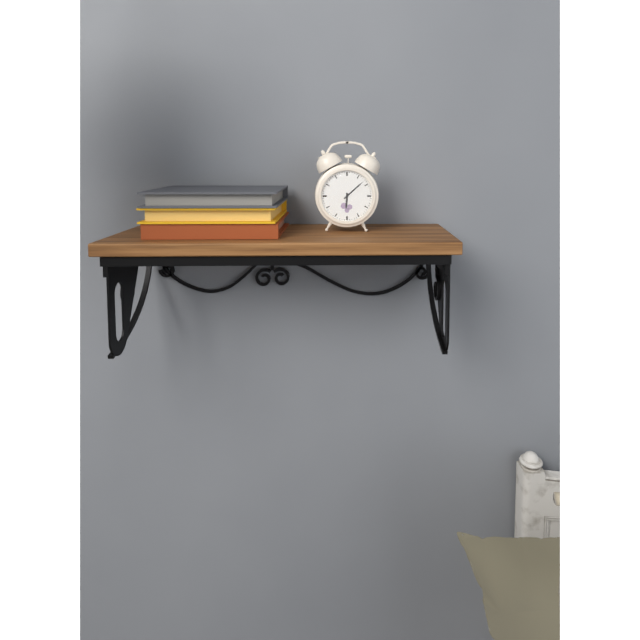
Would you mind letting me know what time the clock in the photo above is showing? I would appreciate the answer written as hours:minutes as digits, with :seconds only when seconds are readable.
6:08
